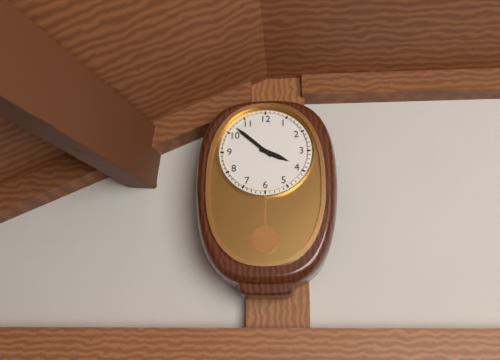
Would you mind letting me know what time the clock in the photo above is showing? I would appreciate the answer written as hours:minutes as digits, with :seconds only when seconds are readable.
3:52
